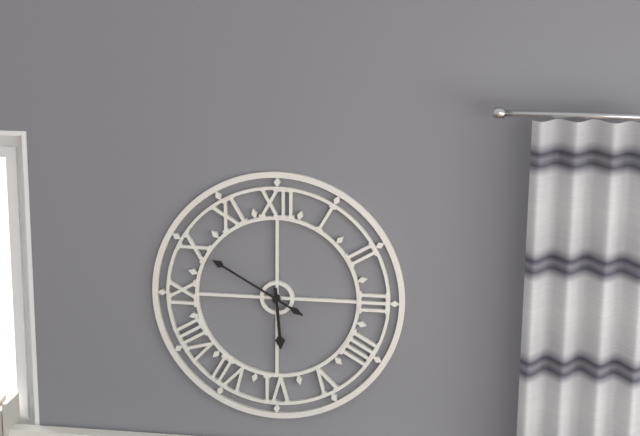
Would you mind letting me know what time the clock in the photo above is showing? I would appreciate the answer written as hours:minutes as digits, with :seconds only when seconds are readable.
5:50
